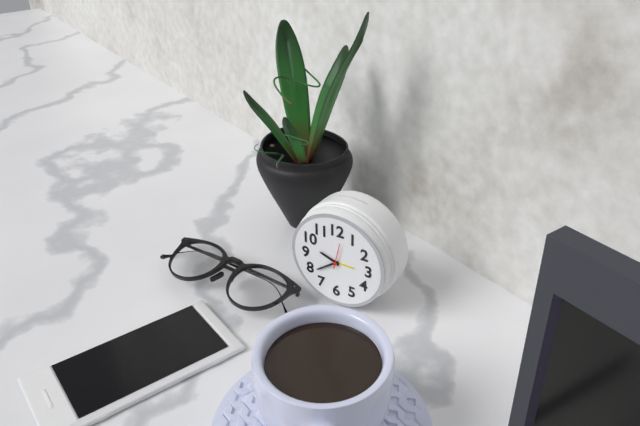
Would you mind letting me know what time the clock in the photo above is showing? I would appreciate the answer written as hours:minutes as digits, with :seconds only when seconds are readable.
9:39
